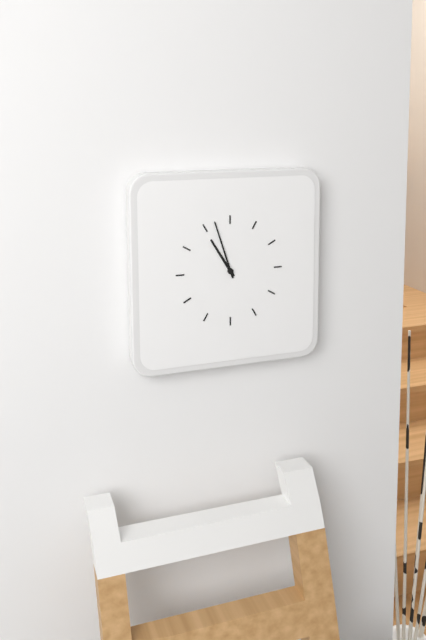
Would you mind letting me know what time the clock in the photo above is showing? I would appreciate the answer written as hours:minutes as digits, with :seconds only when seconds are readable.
10:57
